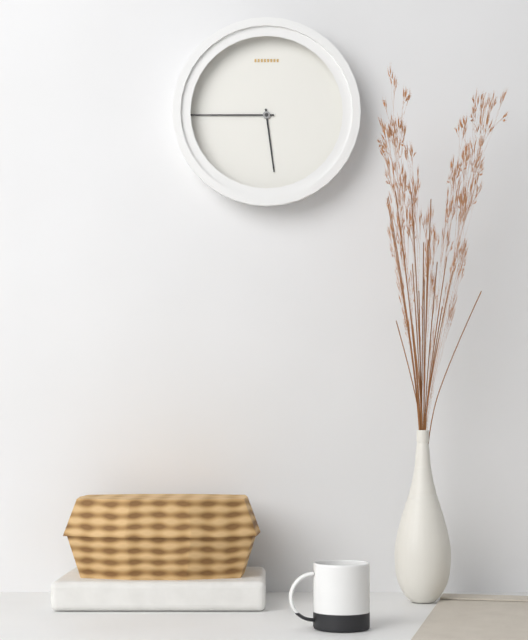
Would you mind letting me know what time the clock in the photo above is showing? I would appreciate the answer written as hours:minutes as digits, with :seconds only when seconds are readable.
5:45
